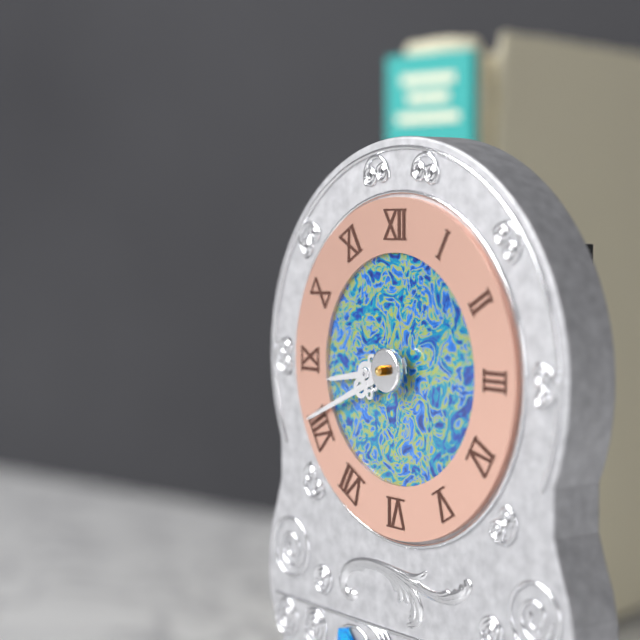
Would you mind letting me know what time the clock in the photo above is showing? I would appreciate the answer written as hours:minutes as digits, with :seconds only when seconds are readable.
8:41
